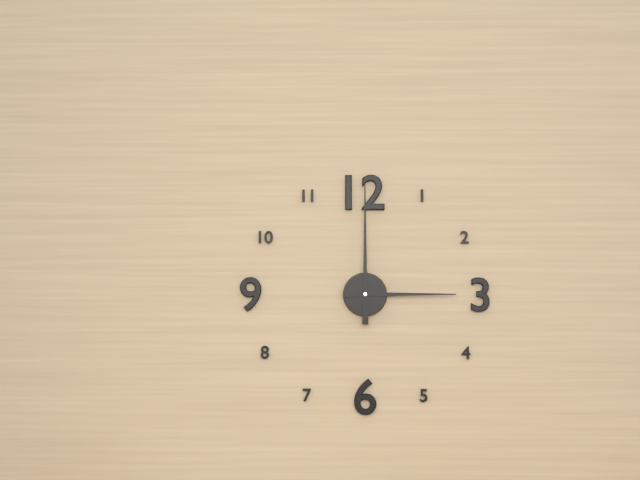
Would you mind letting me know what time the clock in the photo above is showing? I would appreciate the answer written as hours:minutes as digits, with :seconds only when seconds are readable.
3:00
